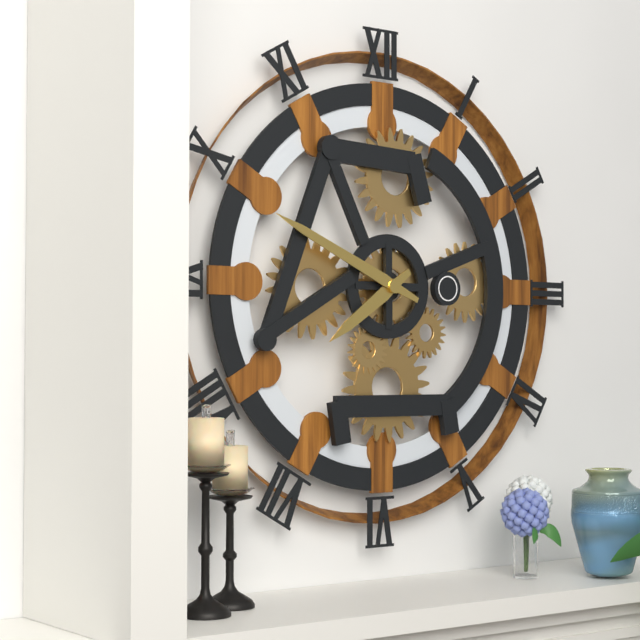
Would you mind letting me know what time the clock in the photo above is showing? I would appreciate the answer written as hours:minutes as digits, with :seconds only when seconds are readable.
7:49
